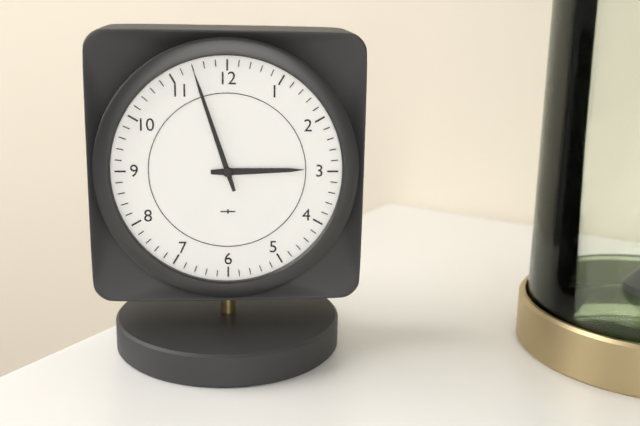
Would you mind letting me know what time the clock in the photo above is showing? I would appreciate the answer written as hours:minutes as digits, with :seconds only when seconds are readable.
2:57
